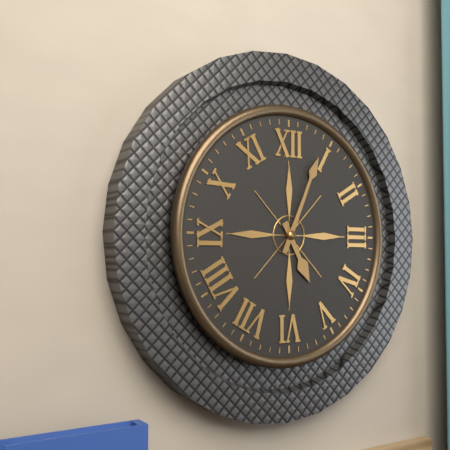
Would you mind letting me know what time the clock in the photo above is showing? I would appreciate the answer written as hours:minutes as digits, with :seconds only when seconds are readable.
5:04
